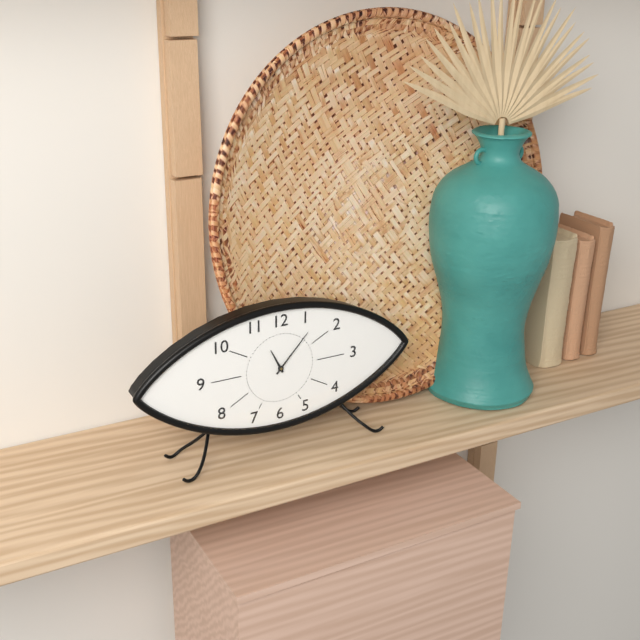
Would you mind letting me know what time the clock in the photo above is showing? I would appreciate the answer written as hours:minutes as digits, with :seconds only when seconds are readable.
11:07
